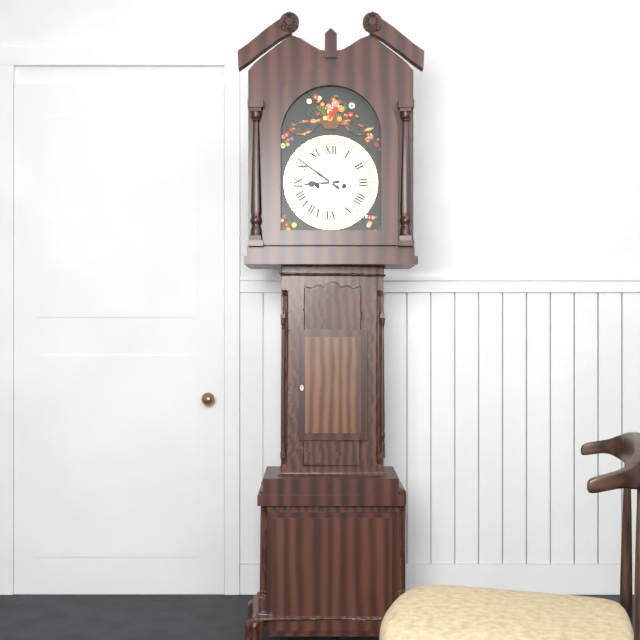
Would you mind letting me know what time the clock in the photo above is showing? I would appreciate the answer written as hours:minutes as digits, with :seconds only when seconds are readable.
8:51
